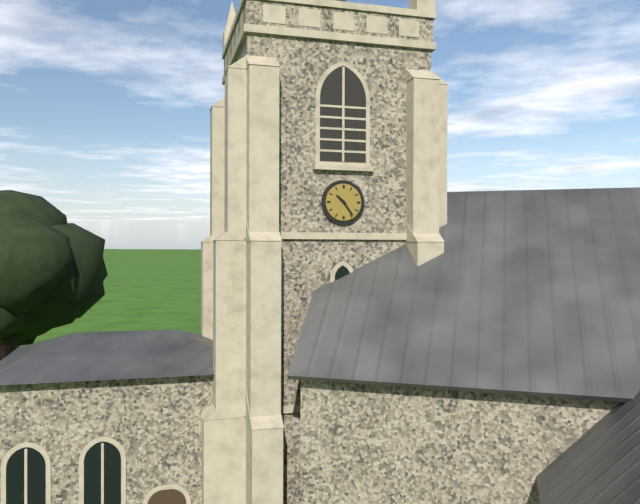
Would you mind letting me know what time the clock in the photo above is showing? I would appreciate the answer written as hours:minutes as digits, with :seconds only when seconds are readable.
10:24
